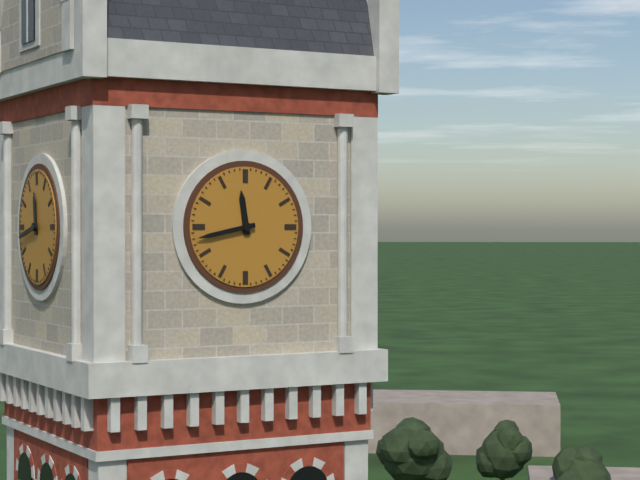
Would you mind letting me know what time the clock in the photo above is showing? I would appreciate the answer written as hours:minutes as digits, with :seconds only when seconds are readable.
11:43
